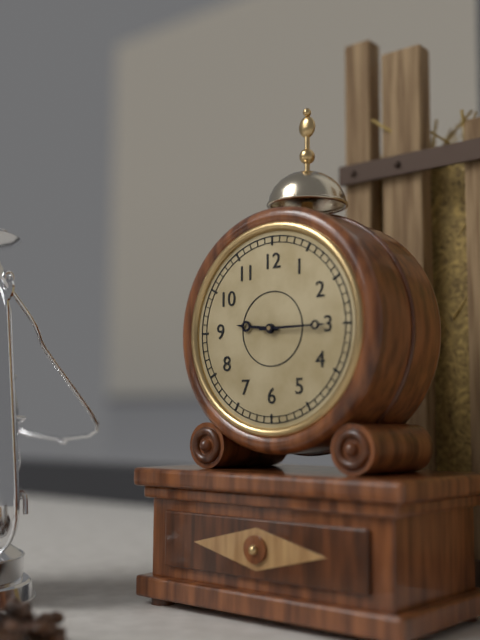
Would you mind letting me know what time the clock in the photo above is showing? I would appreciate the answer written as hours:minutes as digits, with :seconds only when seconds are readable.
9:15
